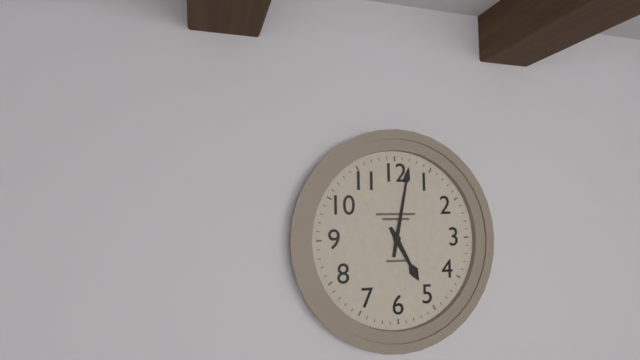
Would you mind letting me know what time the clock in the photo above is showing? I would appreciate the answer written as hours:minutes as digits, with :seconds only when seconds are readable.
5:02
